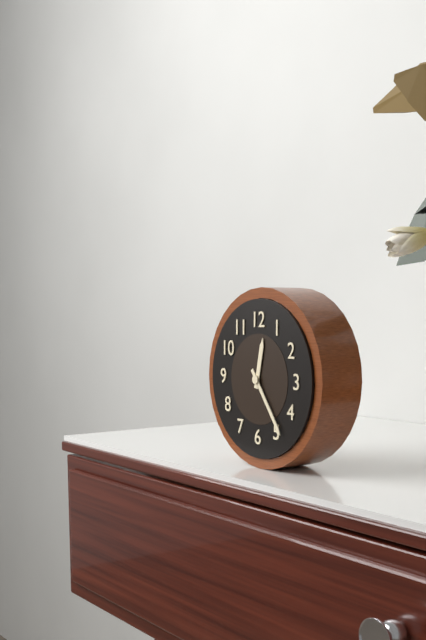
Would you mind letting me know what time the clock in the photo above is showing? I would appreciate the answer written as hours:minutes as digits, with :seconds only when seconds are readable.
12:24
